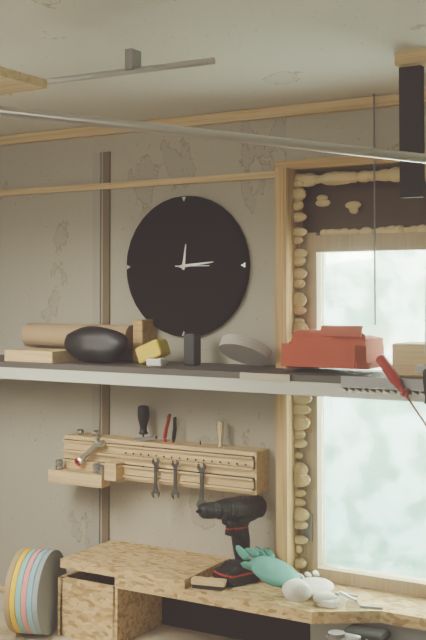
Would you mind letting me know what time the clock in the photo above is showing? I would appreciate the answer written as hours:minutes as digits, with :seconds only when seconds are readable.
12:14
